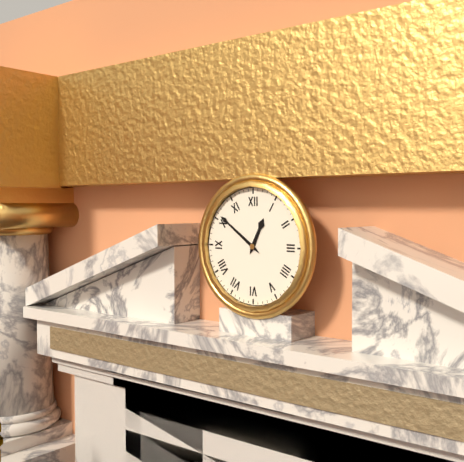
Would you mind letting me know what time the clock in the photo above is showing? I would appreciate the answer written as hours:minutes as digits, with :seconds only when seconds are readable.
12:51
